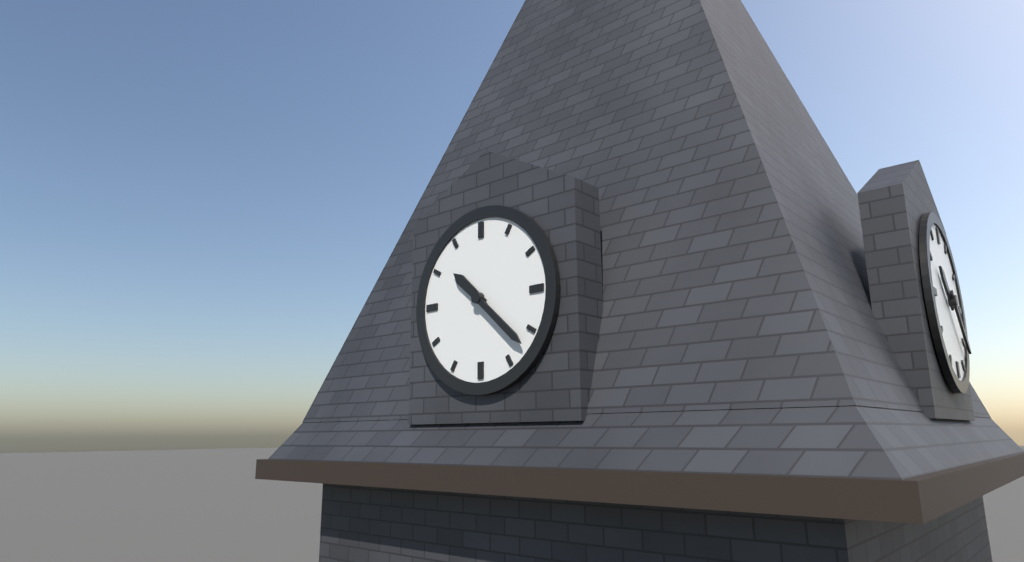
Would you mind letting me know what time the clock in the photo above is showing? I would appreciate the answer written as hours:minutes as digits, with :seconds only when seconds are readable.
10:22
